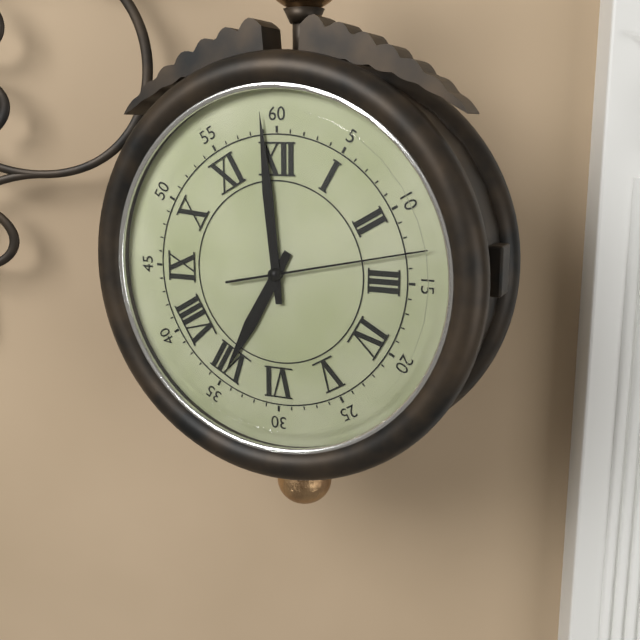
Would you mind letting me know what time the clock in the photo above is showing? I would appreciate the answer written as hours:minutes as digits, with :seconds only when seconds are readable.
6:59:13
